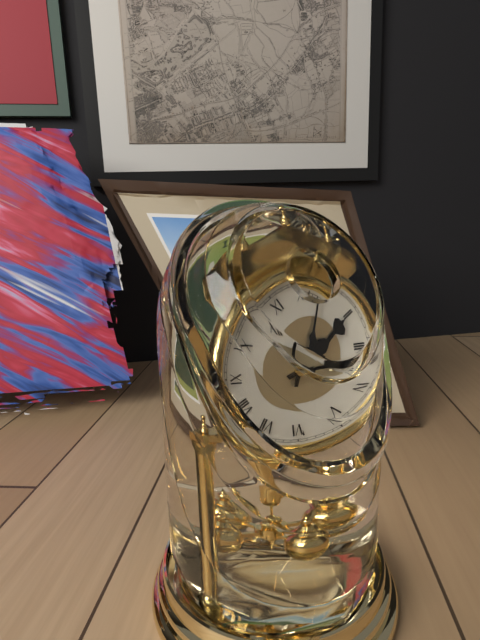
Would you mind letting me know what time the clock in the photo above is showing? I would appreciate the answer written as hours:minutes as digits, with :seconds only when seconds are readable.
2:03
